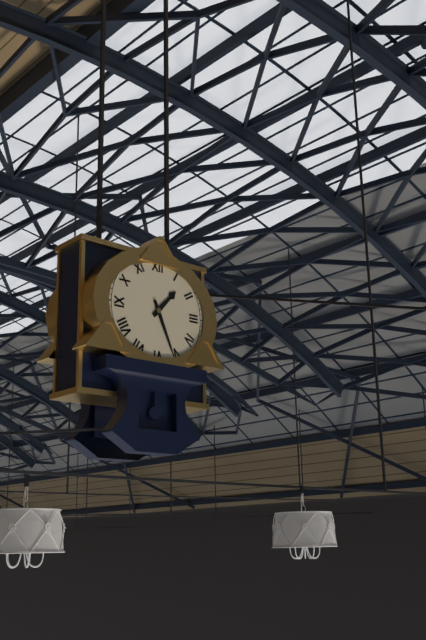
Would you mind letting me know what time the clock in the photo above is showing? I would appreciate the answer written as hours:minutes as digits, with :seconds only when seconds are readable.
1:26
